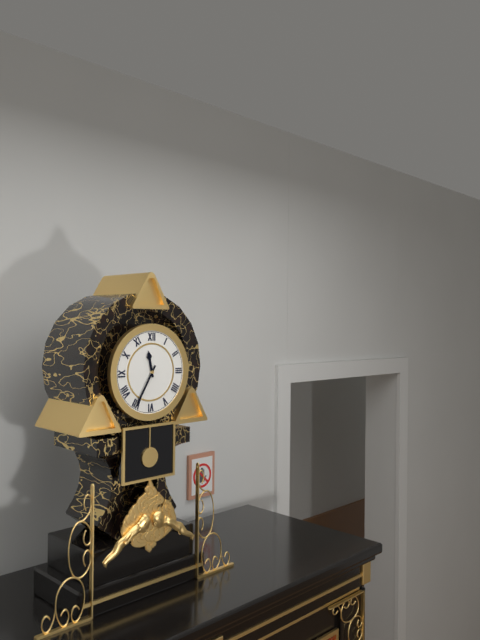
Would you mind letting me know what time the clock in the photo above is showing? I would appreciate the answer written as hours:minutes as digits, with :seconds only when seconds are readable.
11:35
